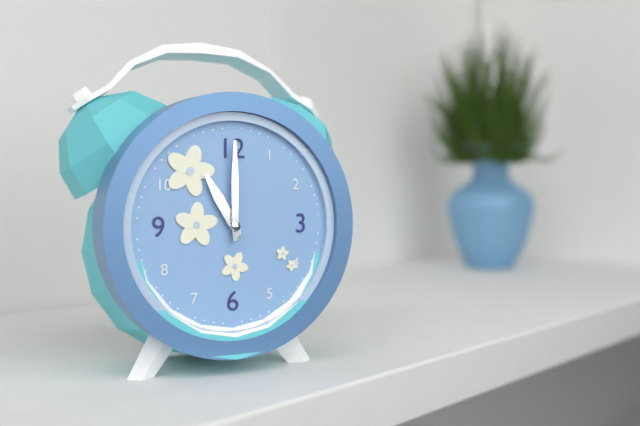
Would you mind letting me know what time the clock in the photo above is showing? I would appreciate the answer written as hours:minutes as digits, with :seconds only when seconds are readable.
11:00
